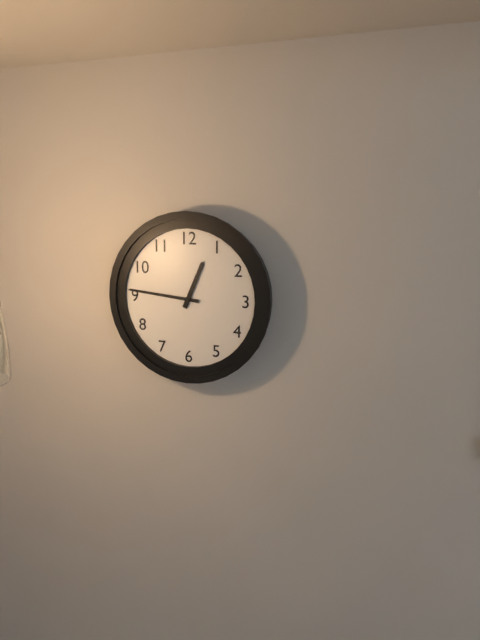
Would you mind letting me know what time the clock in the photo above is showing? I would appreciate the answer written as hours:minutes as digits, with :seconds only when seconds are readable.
12:46
